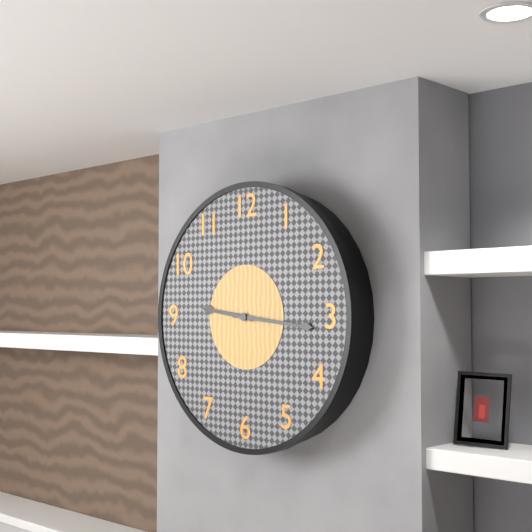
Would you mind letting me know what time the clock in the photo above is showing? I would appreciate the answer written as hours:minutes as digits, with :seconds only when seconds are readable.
9:16
